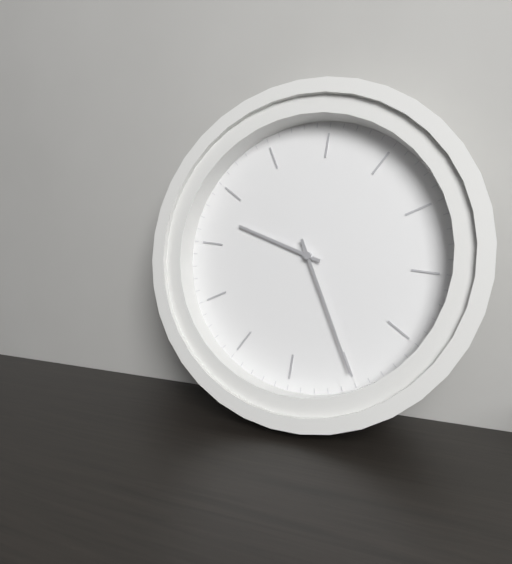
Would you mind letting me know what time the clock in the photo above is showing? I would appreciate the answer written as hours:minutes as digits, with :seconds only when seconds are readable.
10:30
